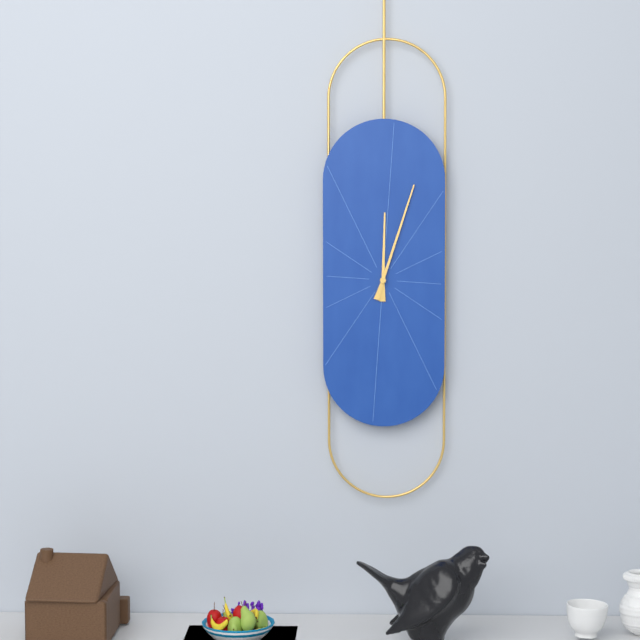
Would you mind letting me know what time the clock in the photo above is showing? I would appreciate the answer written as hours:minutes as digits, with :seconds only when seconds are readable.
12:03
